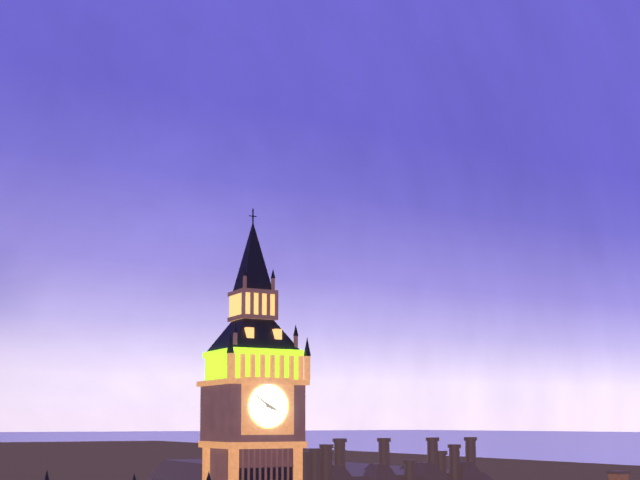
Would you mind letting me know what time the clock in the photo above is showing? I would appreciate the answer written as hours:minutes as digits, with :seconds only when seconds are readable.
3:51
